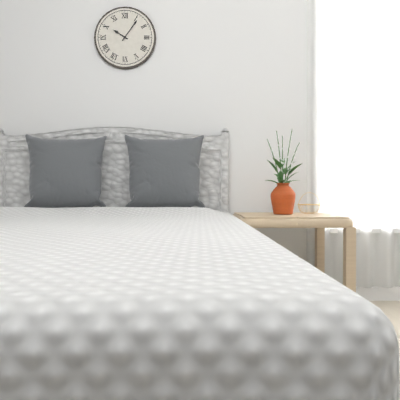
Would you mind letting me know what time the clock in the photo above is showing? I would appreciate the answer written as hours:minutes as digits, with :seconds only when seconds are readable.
10:06
